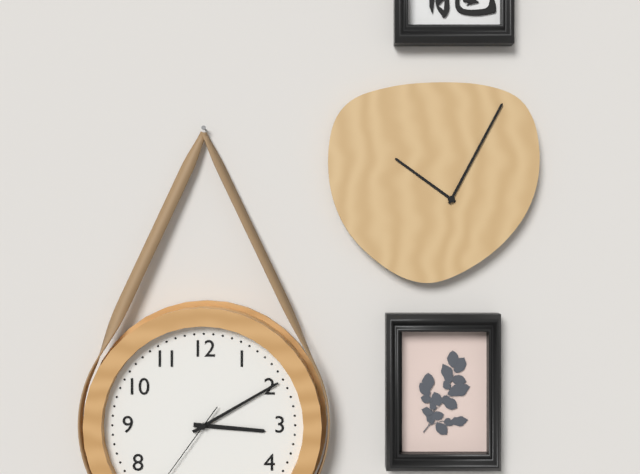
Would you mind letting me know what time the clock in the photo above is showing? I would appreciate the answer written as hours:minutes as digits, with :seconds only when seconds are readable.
3:10
